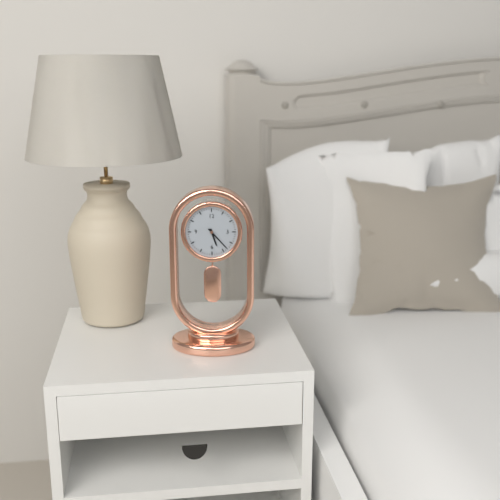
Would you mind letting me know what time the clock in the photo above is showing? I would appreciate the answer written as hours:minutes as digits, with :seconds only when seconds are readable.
5:23
